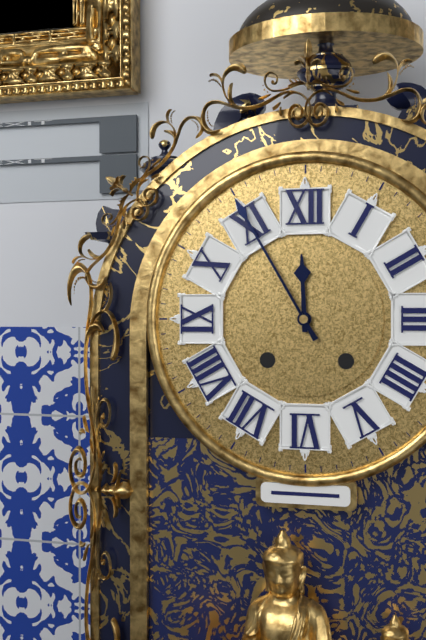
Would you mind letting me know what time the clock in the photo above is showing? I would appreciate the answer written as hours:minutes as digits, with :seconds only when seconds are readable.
11:55
